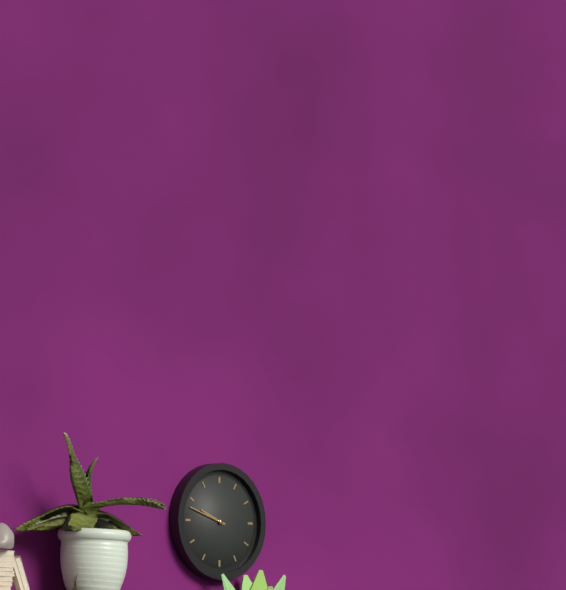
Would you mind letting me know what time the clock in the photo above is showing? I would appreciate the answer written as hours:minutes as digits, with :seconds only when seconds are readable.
9:48
